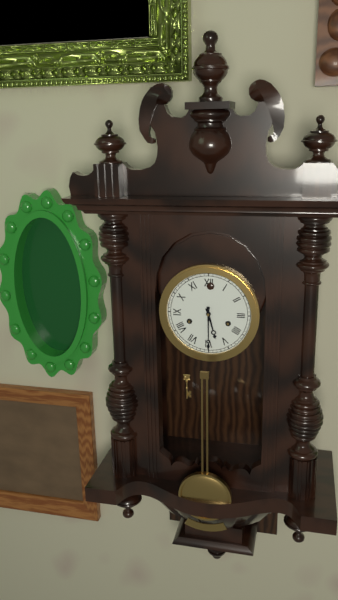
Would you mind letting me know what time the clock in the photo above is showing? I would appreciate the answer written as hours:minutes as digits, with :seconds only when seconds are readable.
5:30
